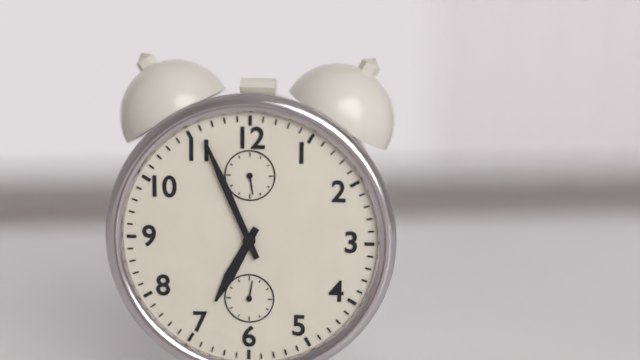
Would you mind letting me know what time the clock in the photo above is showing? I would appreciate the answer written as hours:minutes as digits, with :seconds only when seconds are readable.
6:56
